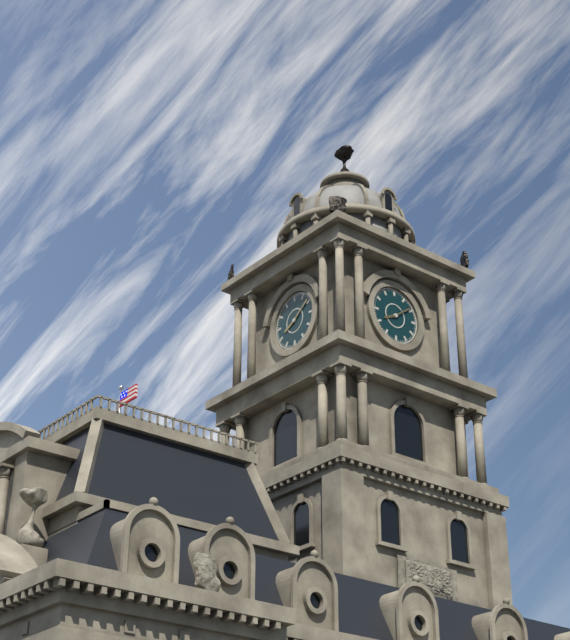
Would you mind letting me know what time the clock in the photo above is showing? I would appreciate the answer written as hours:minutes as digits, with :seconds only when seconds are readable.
8:09
